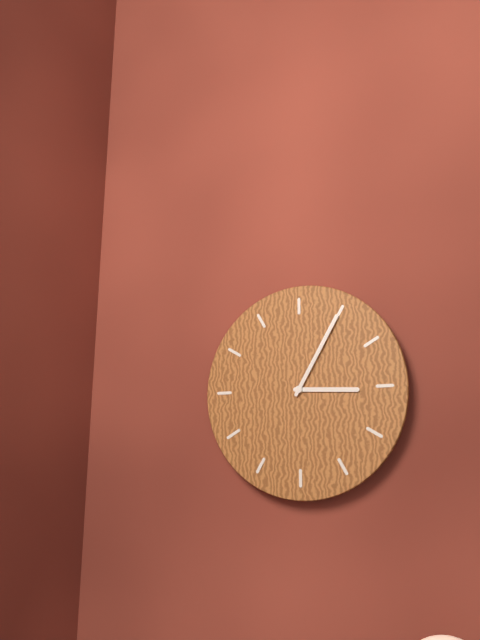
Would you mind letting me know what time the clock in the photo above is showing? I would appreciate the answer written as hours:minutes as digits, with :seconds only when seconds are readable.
3:05
